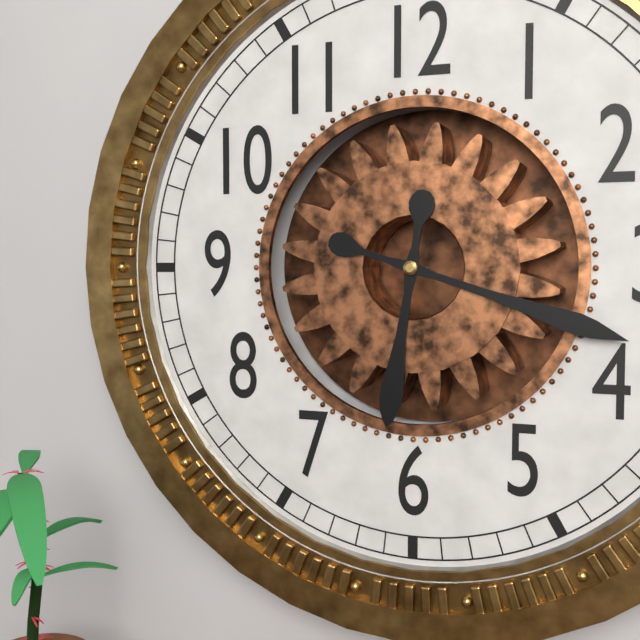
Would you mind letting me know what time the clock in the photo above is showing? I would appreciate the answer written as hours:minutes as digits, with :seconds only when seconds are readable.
6:18
